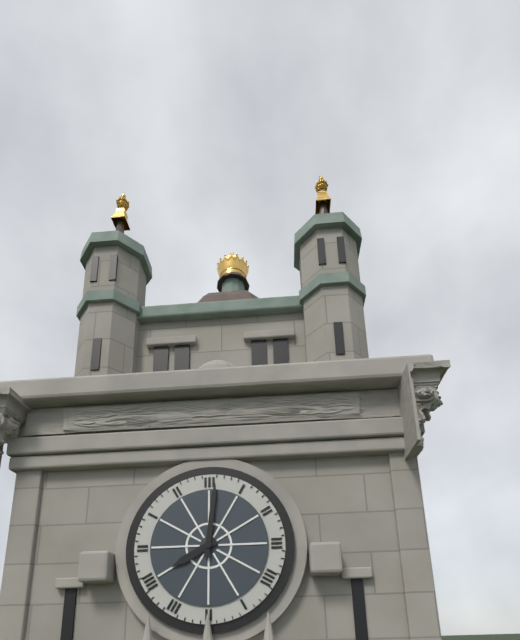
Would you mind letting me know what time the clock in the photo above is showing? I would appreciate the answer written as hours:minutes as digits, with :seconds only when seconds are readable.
8:01
